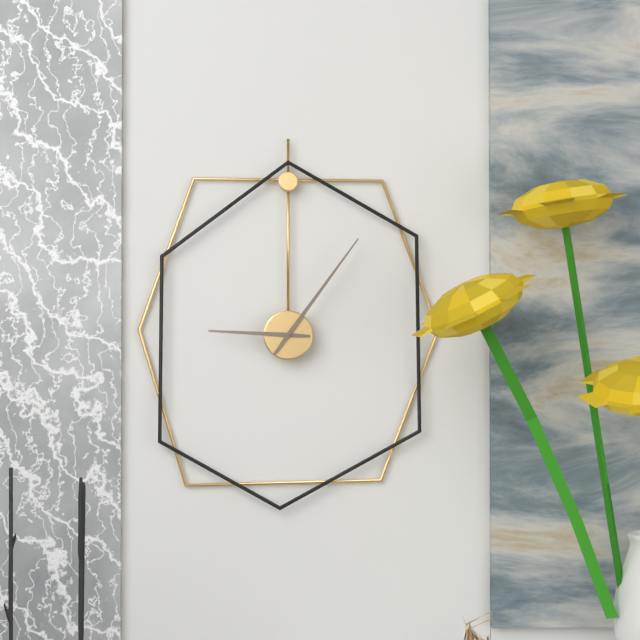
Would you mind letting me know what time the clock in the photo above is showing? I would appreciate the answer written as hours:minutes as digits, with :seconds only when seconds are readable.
9:06
